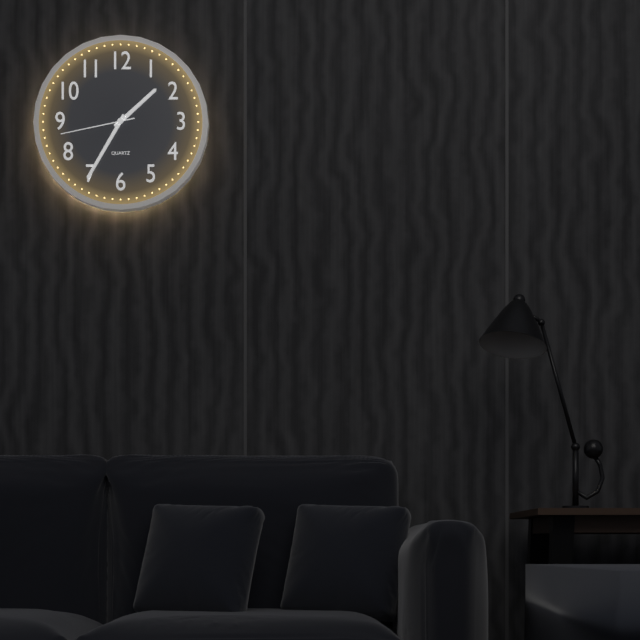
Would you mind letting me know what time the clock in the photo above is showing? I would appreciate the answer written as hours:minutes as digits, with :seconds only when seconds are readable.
1:35:43
